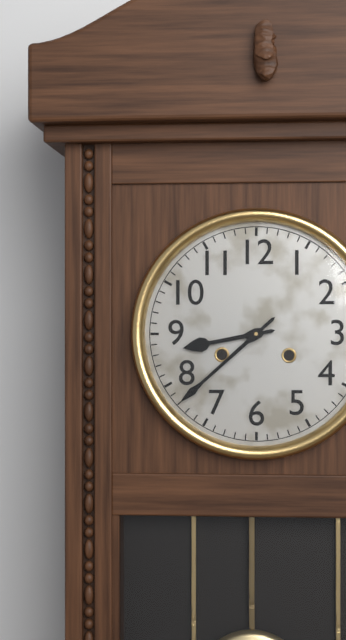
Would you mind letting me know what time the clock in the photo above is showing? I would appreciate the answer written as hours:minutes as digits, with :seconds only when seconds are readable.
8:38
